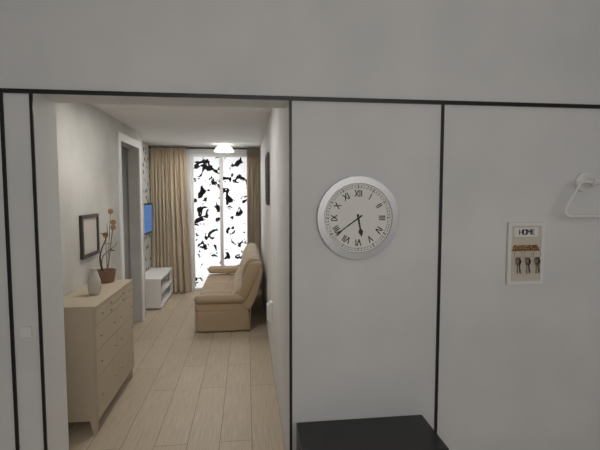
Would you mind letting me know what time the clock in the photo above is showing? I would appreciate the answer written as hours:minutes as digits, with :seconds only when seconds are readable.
5:39
